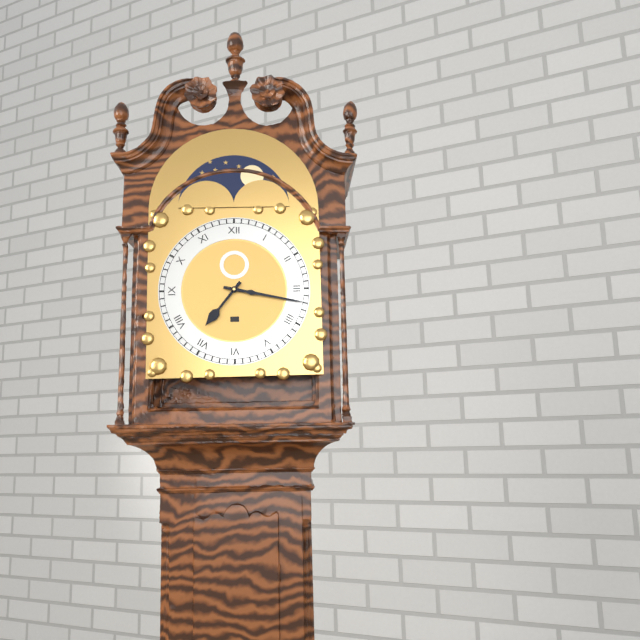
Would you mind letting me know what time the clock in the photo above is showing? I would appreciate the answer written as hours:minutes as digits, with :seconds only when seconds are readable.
7:17
